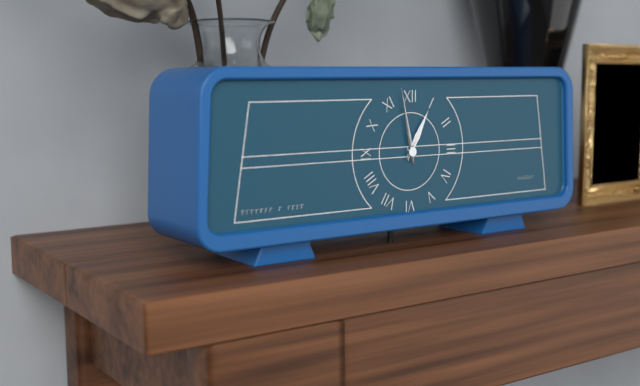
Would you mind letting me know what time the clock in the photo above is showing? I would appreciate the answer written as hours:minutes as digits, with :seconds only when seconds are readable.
12:58
